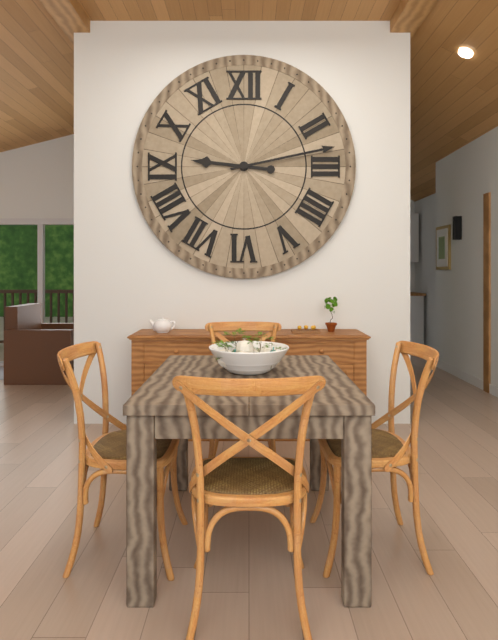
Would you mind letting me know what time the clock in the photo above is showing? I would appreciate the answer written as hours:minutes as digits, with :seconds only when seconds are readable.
9:13
